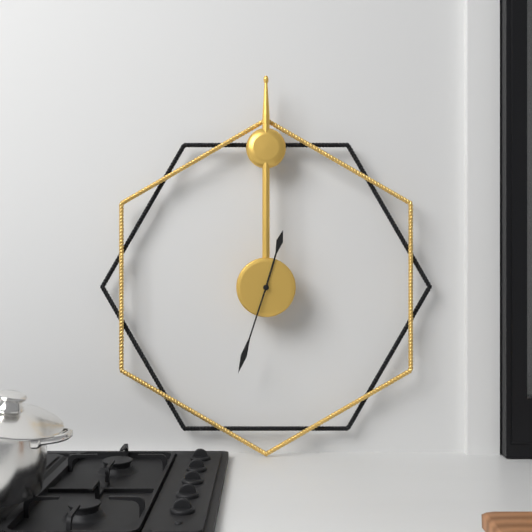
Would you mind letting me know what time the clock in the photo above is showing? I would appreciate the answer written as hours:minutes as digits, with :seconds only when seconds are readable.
12:33
